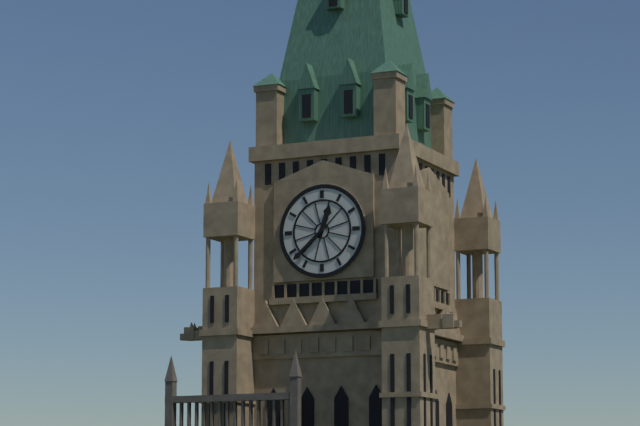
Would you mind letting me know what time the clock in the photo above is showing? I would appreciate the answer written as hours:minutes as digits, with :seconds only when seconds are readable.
12:38
